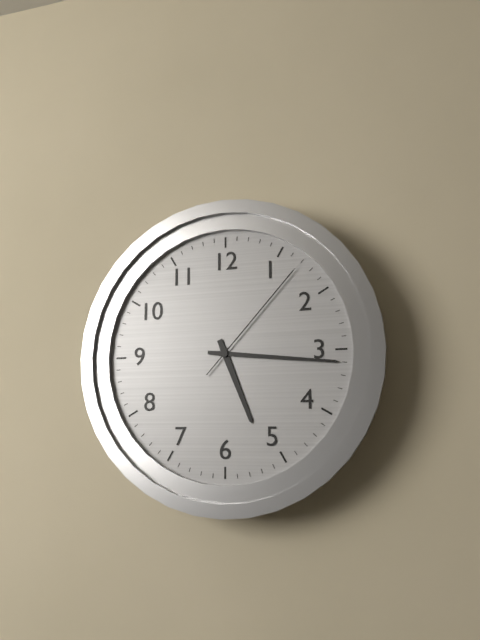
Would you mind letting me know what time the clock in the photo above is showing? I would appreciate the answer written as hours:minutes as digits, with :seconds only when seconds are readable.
5:16:07
